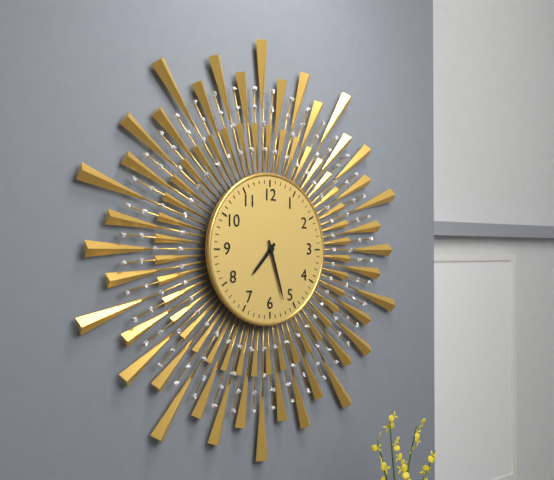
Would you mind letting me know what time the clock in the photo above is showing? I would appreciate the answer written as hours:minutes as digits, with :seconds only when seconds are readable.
7:27
